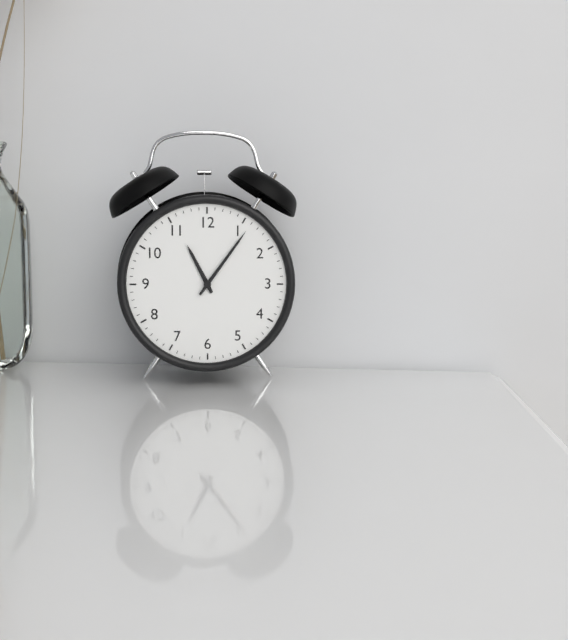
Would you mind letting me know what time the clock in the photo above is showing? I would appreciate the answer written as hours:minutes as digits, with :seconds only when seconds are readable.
11:06
